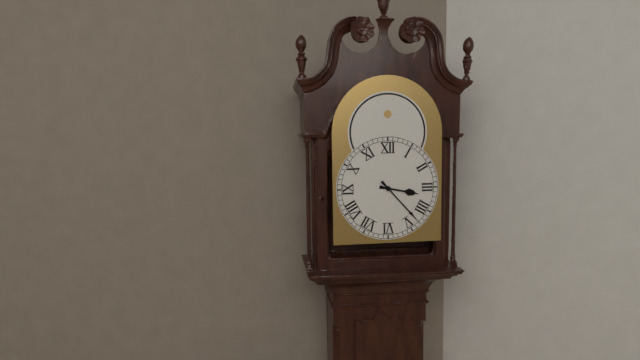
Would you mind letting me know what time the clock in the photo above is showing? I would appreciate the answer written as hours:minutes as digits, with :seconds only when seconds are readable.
3:23
